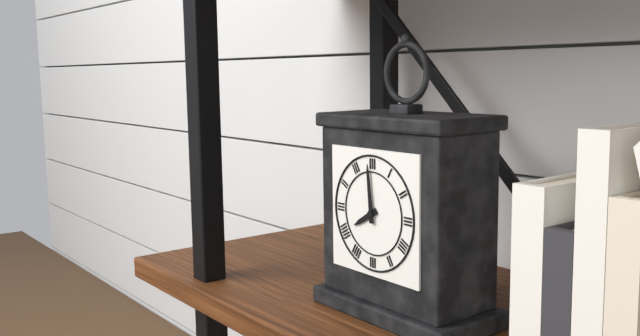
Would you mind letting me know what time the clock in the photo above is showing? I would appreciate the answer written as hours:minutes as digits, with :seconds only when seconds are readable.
7:59
